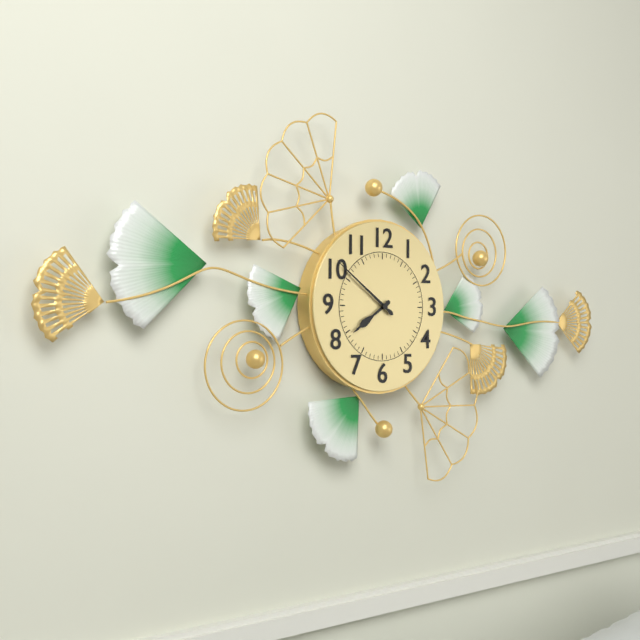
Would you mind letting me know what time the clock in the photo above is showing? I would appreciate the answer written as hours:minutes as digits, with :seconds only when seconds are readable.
7:51
